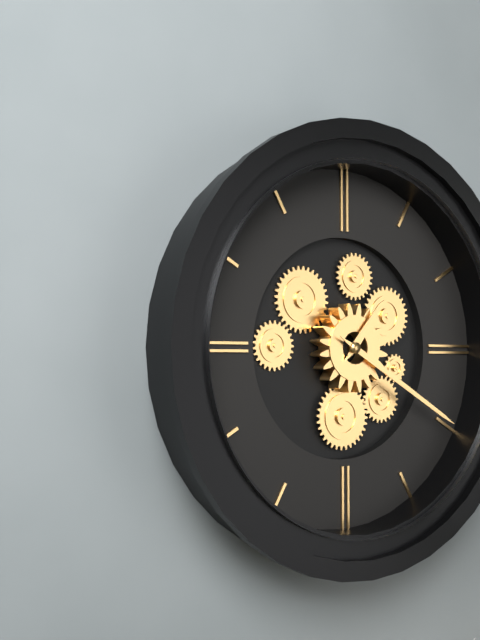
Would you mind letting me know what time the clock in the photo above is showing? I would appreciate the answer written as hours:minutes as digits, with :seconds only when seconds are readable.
1:20
